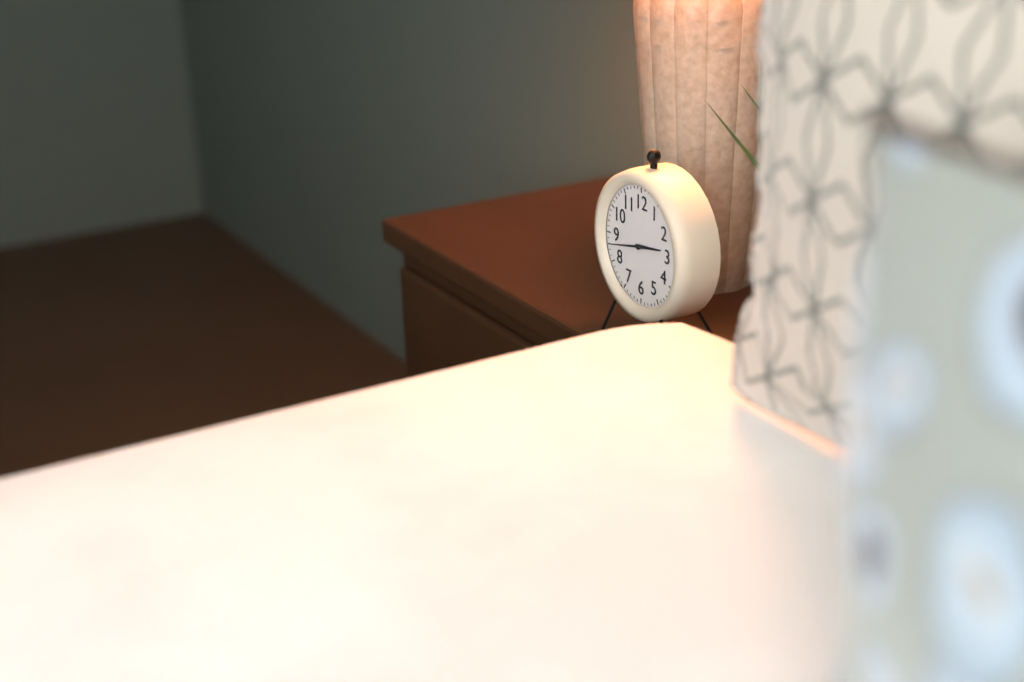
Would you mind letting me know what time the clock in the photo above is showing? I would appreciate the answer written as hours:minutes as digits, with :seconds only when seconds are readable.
2:43:43
